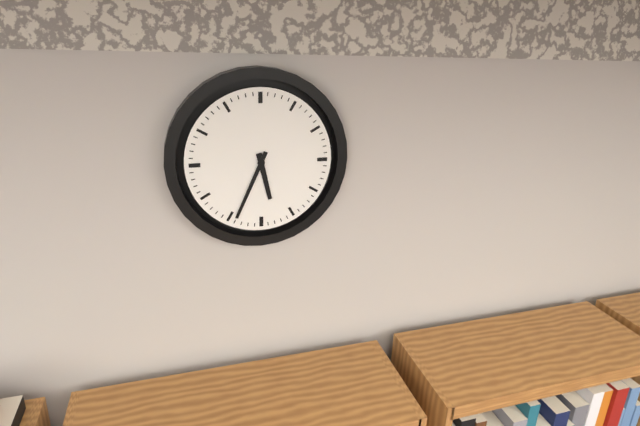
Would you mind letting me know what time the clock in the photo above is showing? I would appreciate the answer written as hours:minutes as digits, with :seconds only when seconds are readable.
5:34
